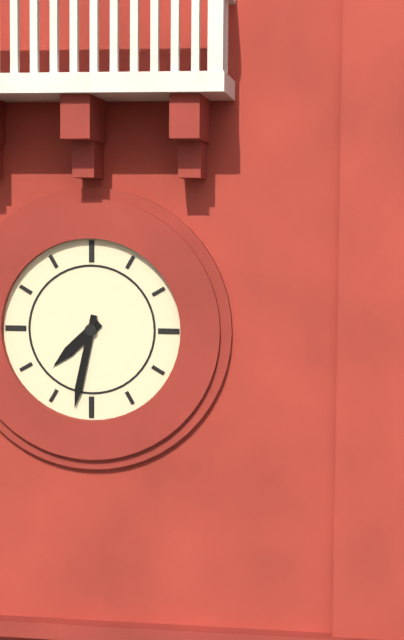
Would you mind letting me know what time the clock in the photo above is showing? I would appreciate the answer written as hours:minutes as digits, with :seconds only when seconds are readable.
7:32
